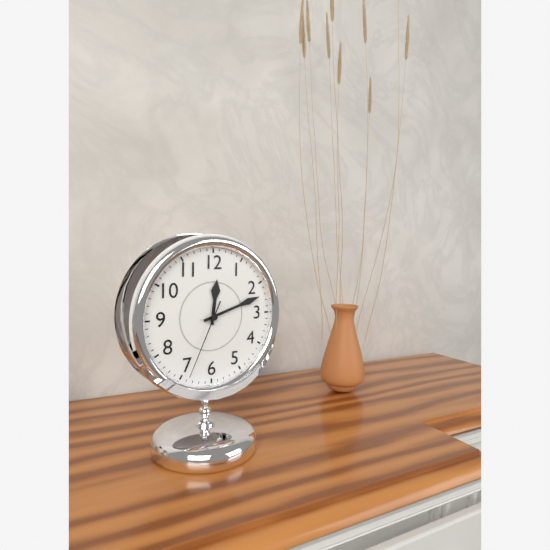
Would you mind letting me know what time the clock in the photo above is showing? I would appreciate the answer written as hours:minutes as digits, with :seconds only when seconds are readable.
12:12:34
